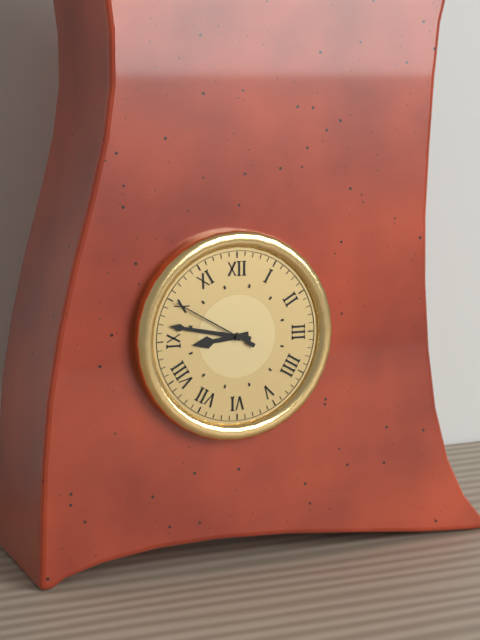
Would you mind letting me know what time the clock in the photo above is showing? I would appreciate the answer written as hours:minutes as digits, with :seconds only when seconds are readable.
8:47:50
